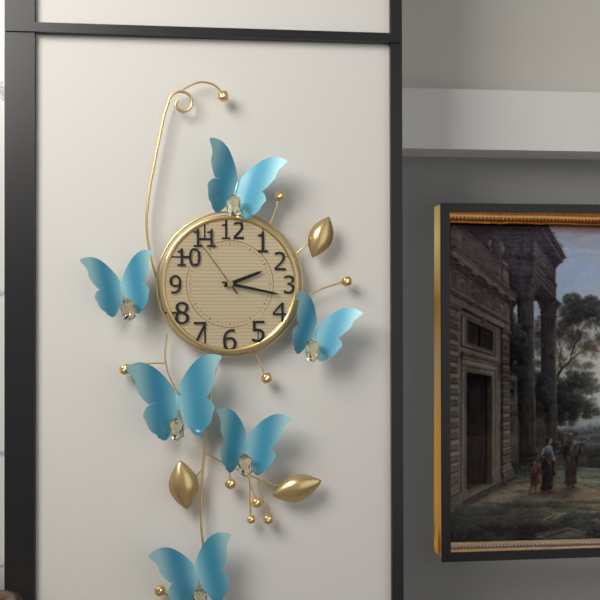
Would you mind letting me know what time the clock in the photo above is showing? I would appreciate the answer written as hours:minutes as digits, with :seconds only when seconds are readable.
2:17:54
